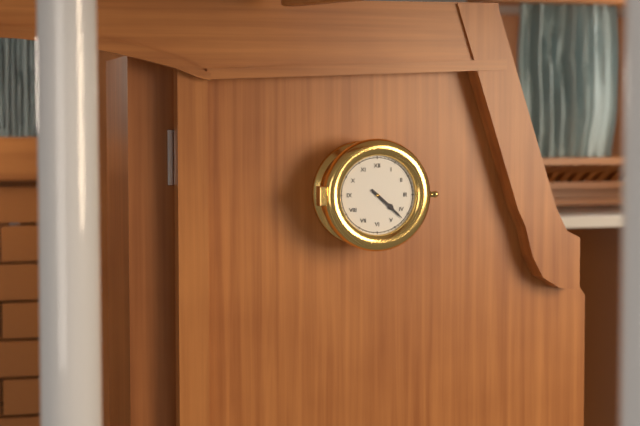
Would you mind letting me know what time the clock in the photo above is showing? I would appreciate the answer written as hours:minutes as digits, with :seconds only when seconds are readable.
4:22
